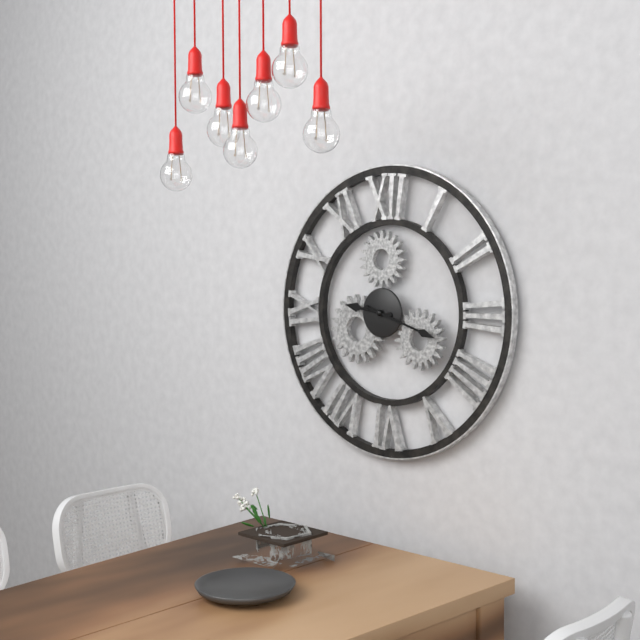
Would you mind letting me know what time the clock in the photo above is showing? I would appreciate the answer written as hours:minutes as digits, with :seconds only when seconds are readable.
9:18
